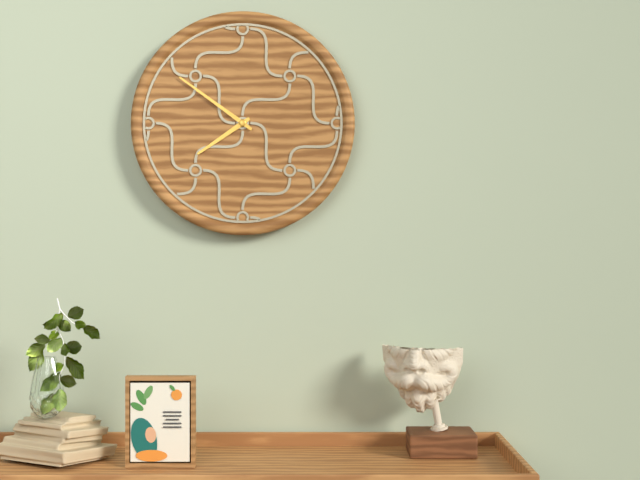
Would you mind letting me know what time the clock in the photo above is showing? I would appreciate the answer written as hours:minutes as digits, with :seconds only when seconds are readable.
7:51
